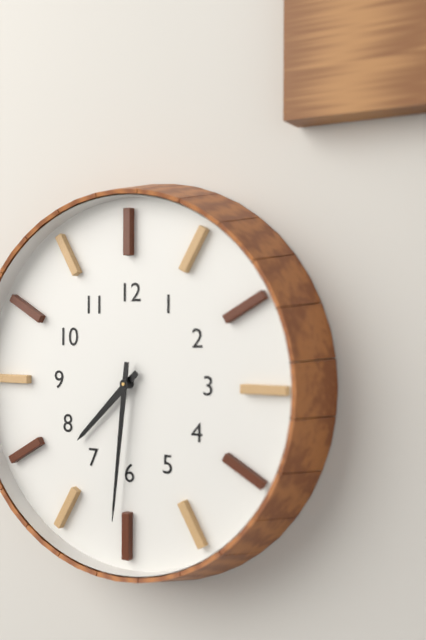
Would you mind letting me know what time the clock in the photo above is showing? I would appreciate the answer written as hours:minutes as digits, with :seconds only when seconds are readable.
7:31
